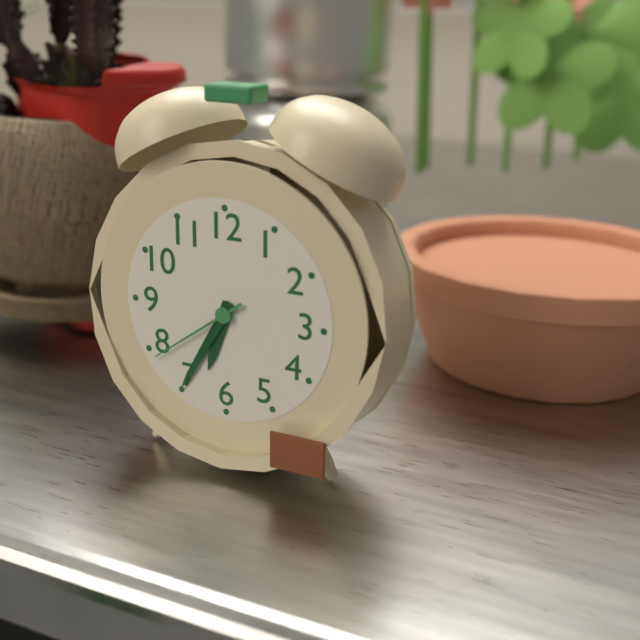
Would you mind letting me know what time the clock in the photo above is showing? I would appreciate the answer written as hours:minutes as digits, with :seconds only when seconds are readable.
6:35:39
